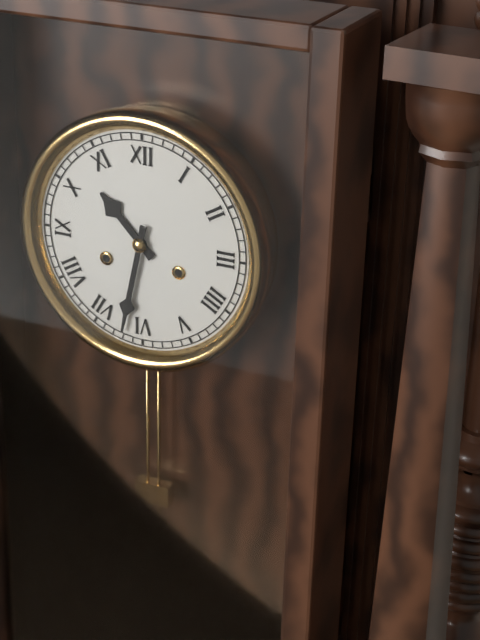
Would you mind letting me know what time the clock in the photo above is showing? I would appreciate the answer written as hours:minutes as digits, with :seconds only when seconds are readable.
10:32
